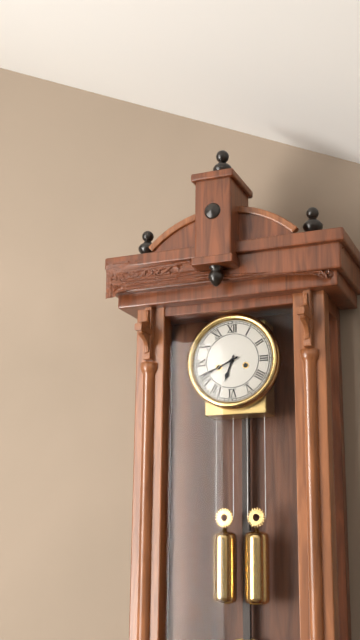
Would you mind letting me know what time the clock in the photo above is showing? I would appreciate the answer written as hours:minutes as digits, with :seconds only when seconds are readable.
6:41
